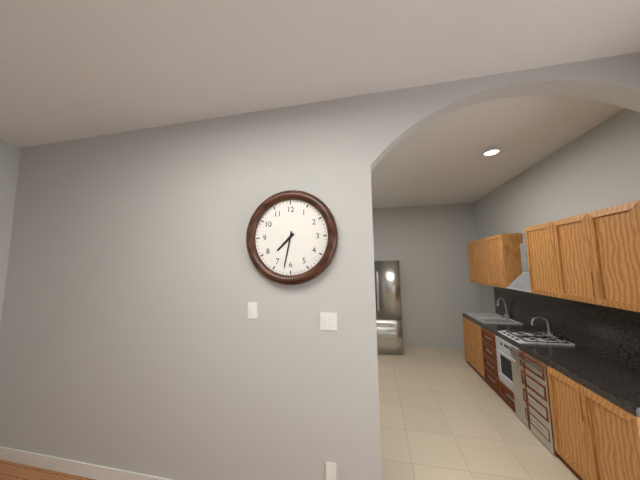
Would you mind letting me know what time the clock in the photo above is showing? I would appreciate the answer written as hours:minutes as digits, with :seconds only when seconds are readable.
7:32
